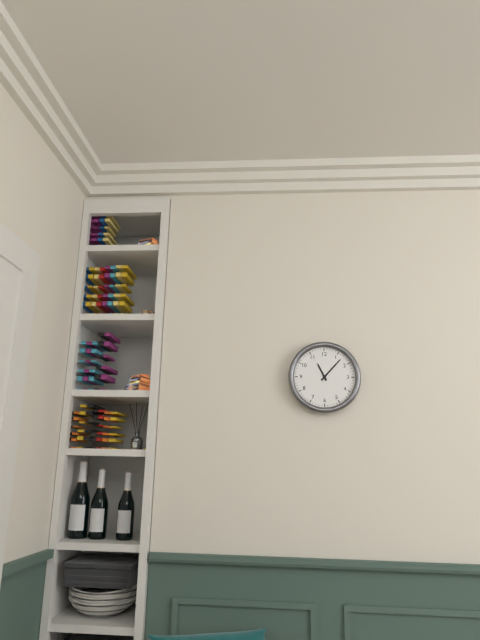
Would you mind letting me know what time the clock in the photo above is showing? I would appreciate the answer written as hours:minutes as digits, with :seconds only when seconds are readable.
11:07
